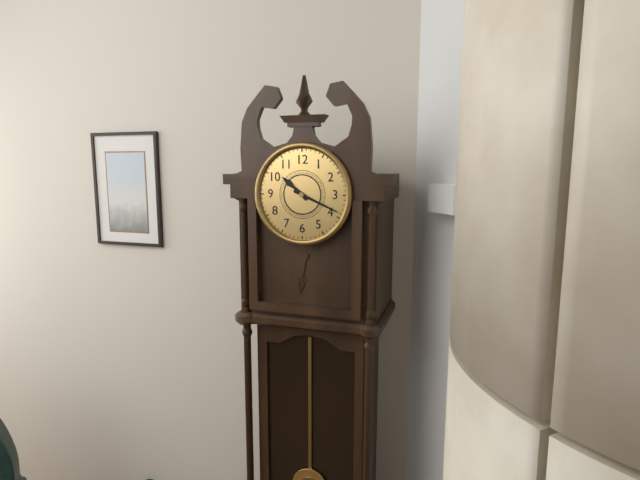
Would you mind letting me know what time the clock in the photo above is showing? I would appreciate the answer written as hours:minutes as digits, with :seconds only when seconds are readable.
10:19
